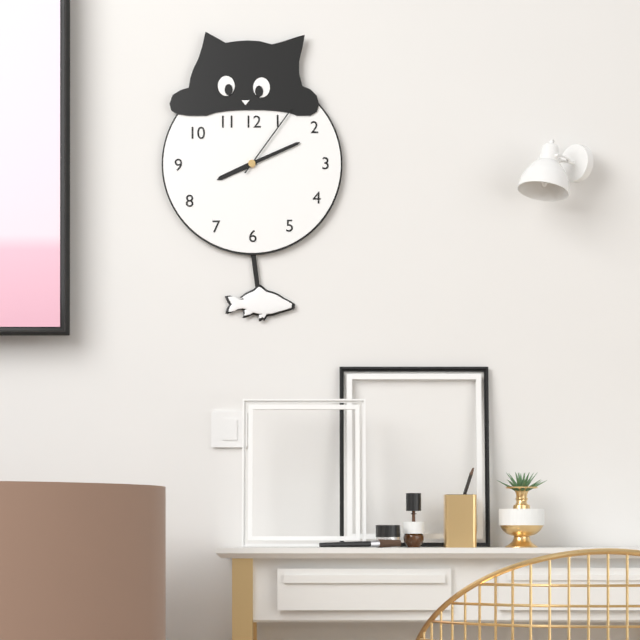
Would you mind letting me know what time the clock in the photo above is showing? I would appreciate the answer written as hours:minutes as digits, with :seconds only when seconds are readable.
8:11:06
